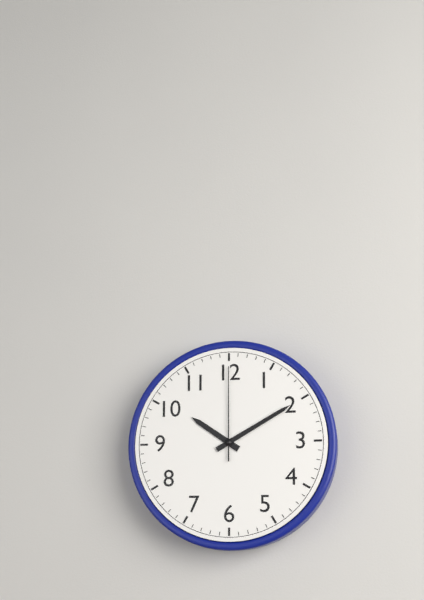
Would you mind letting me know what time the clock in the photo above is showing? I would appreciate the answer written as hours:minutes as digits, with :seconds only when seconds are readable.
10:10:00
